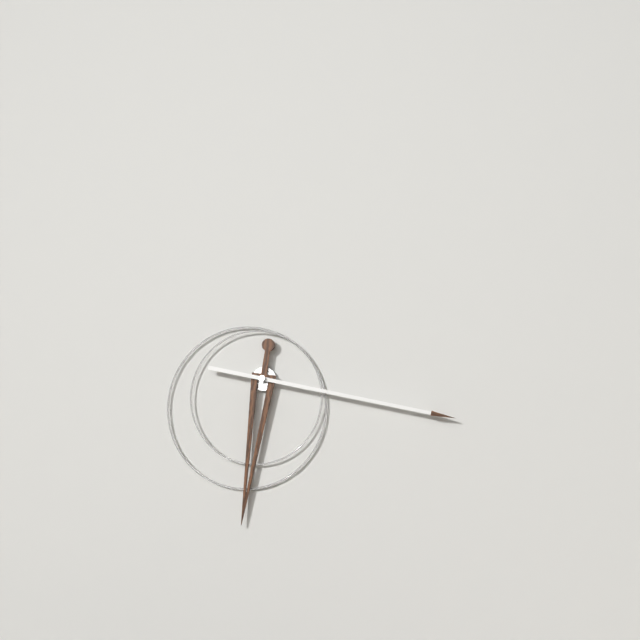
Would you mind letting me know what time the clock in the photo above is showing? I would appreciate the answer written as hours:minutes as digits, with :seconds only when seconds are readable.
6:17
